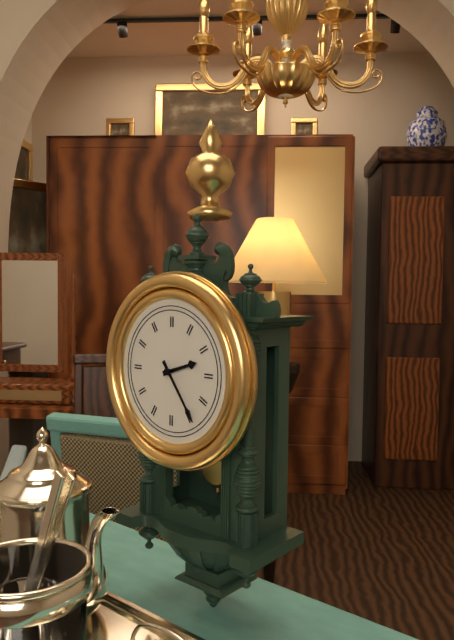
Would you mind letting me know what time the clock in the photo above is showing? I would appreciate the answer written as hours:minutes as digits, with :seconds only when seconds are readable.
2:24
